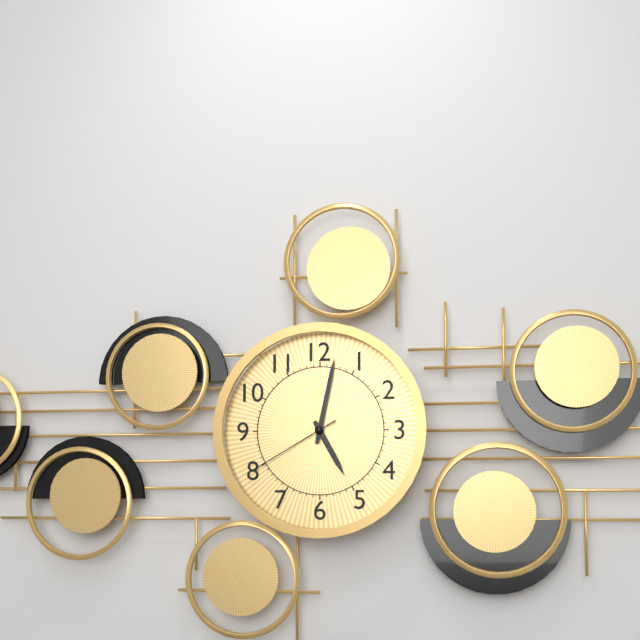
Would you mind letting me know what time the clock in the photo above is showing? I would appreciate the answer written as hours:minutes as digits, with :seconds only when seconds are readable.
5:02:40
